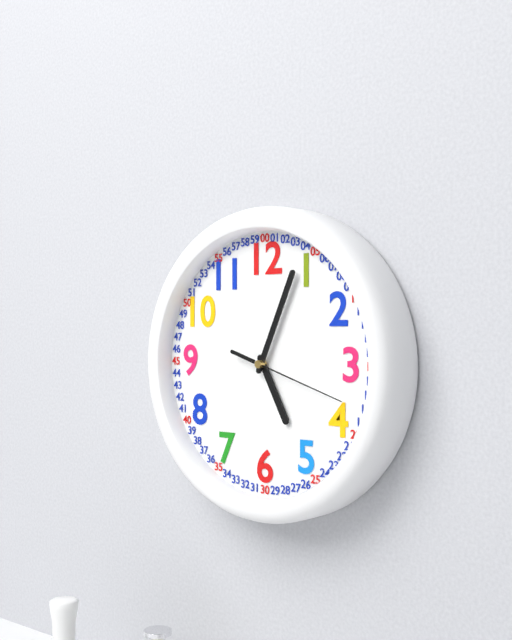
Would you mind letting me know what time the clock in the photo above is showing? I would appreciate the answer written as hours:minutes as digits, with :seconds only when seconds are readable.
5:04:18
